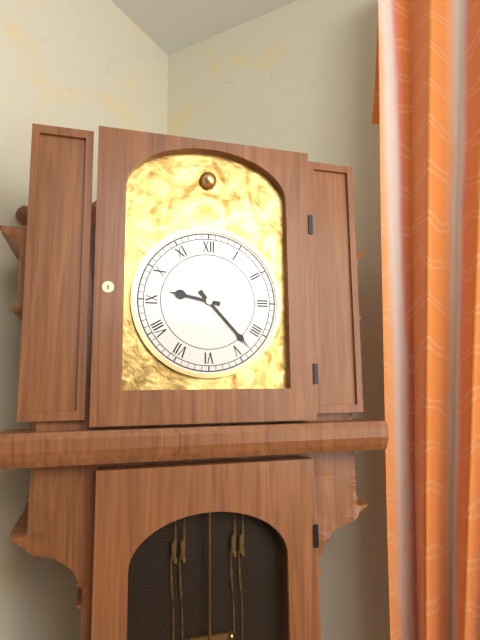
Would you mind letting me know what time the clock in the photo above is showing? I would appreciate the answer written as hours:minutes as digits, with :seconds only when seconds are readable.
9:23
